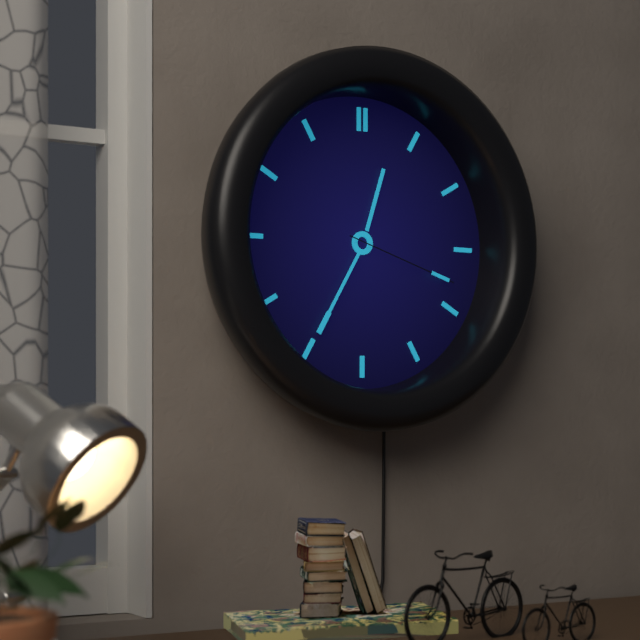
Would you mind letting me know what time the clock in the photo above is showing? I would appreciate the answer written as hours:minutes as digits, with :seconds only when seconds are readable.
12:35:18
